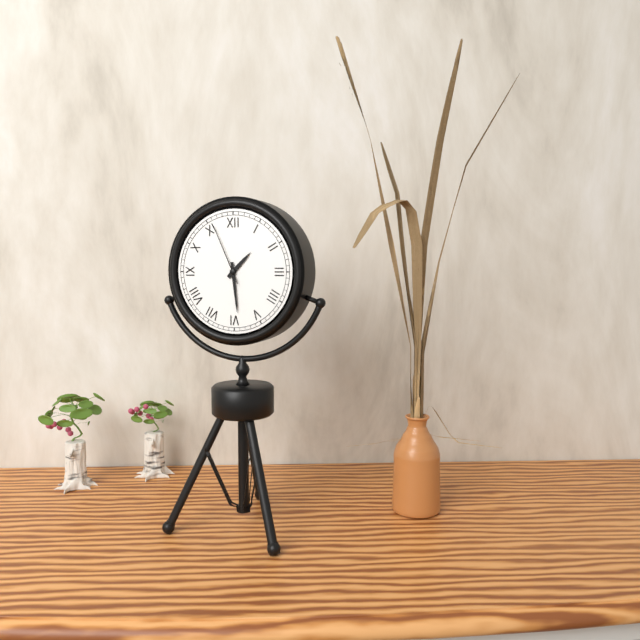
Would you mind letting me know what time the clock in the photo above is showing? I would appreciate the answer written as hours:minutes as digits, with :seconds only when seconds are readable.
1:29:56
